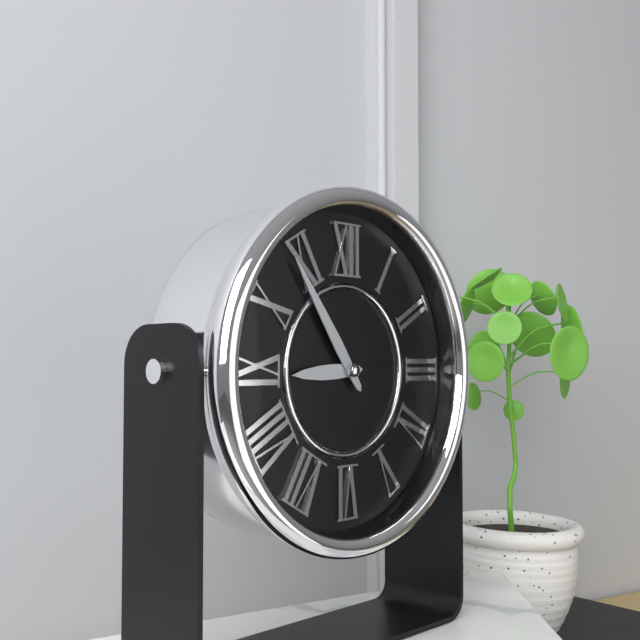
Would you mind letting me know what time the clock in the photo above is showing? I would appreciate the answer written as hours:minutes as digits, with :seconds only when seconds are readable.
8:54
